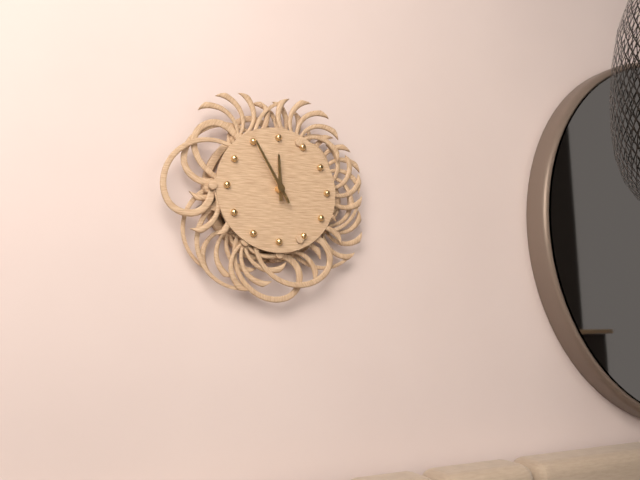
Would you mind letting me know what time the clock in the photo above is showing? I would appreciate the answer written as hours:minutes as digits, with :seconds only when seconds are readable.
11:55
